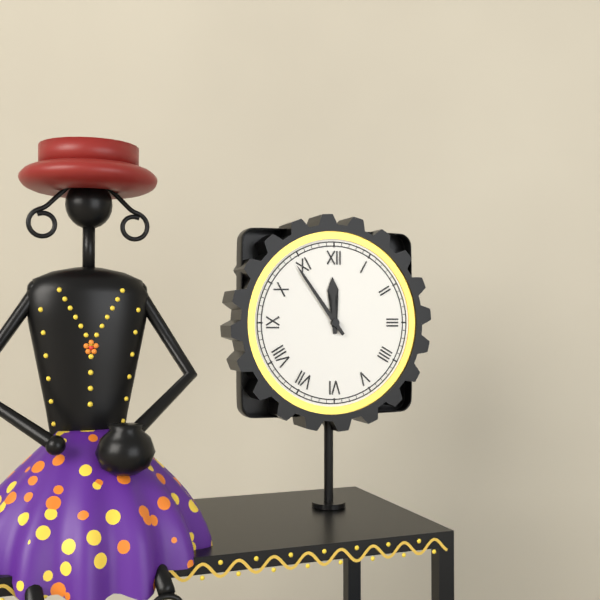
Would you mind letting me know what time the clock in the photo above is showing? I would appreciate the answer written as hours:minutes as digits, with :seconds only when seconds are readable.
11:54
